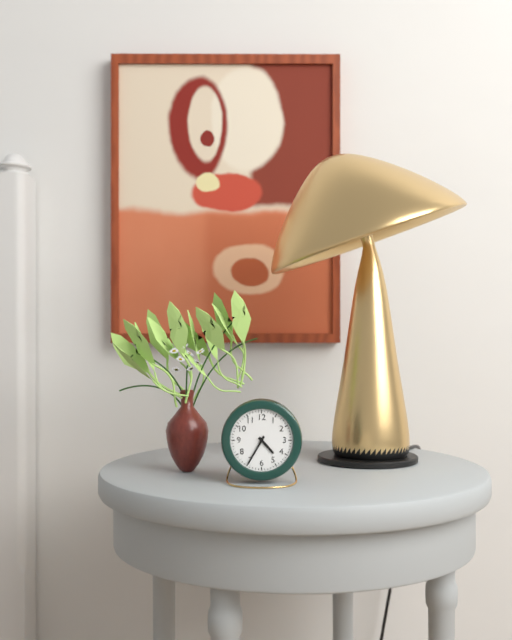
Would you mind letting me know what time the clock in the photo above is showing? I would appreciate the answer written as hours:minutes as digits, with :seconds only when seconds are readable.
4:35
